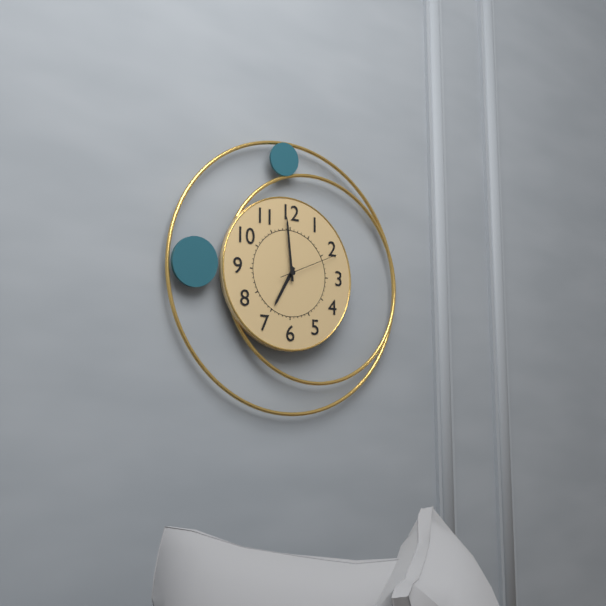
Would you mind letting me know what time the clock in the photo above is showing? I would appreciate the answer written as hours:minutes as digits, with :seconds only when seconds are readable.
6:59:11
